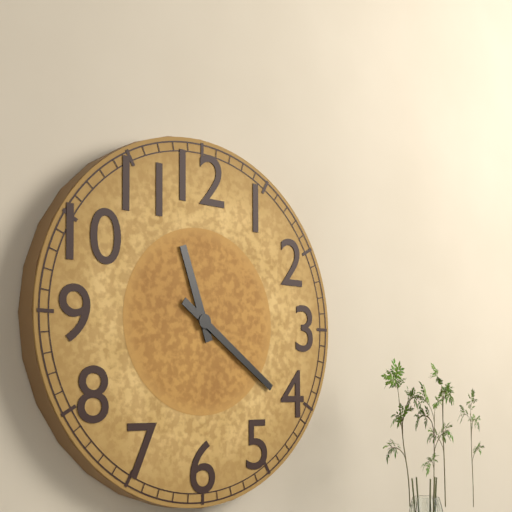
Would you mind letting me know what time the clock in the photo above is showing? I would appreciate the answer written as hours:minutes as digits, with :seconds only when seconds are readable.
11:21
